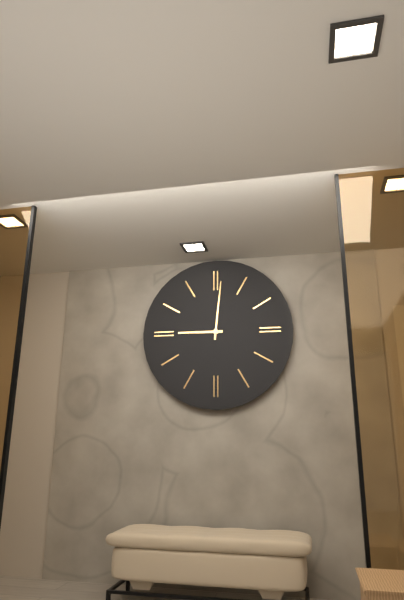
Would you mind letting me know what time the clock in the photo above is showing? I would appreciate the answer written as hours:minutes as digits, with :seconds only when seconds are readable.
9:01
